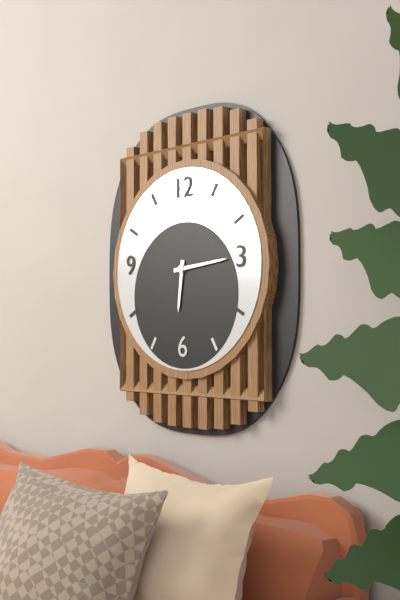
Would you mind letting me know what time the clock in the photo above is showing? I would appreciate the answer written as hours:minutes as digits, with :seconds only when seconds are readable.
6:14
